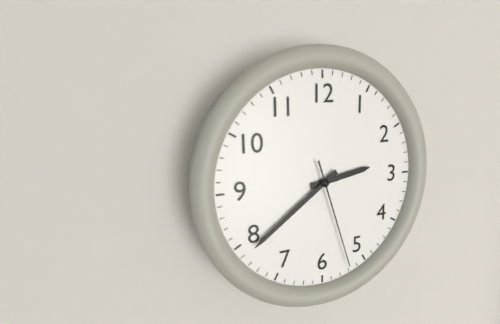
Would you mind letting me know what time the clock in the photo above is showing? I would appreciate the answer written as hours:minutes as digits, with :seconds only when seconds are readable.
2:39:27
